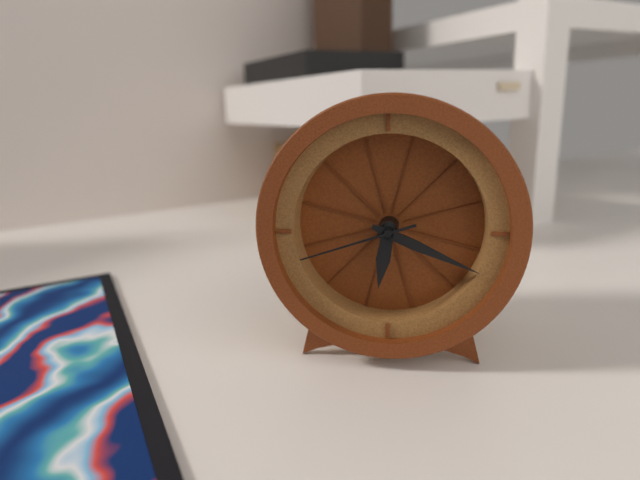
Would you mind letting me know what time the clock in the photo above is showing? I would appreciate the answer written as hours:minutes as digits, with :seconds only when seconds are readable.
6:19:42
